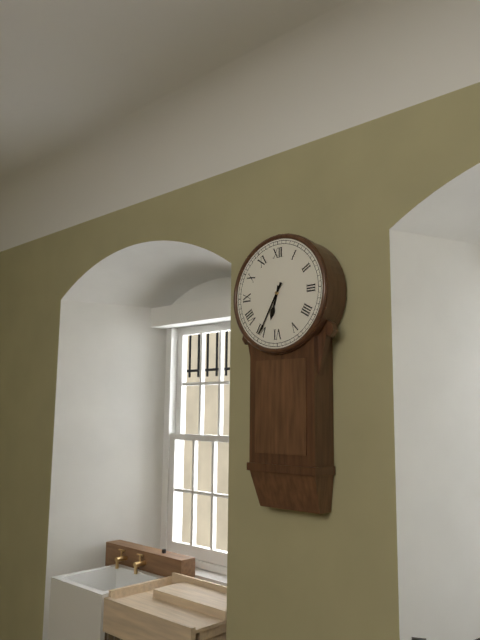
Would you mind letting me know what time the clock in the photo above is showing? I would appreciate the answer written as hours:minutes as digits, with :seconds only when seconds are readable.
6:35
